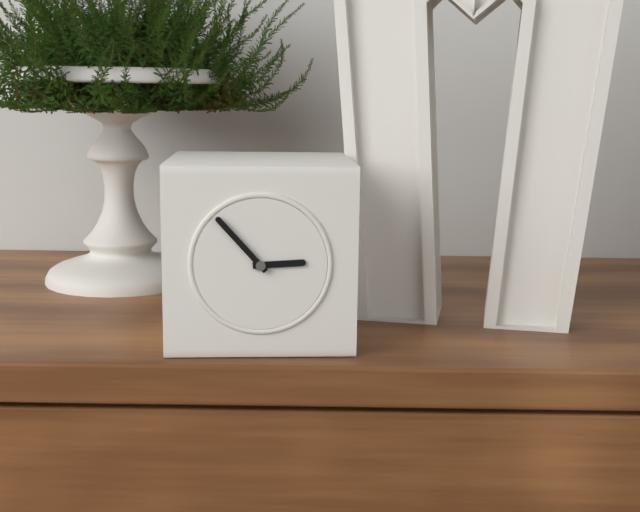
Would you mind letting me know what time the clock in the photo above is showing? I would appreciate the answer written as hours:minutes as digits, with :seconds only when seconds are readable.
2:53
